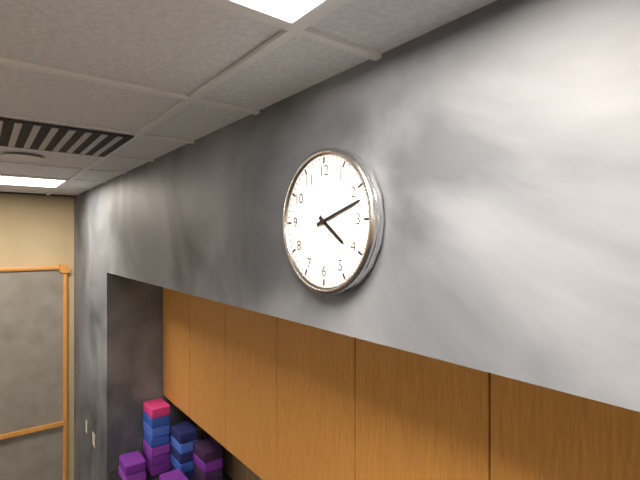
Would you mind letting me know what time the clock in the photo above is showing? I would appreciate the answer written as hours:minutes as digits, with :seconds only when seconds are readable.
4:12
